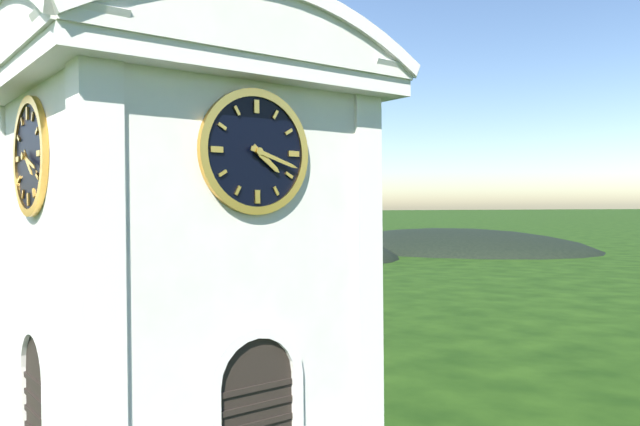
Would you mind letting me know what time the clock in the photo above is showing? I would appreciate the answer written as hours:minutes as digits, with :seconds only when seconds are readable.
4:18
